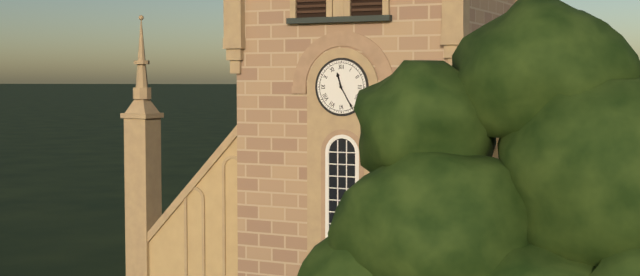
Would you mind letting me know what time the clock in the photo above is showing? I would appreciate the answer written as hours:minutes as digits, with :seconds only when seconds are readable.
11:25
